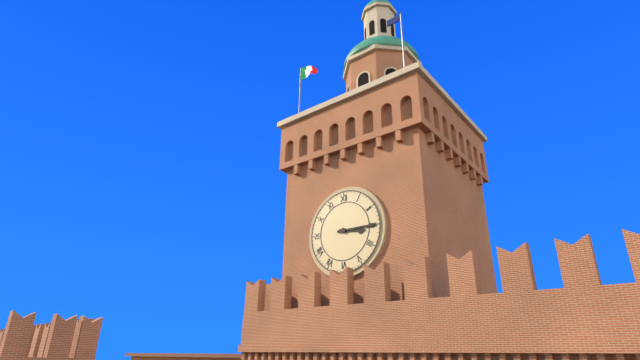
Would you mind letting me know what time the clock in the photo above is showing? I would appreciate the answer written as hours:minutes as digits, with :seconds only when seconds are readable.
3:15
